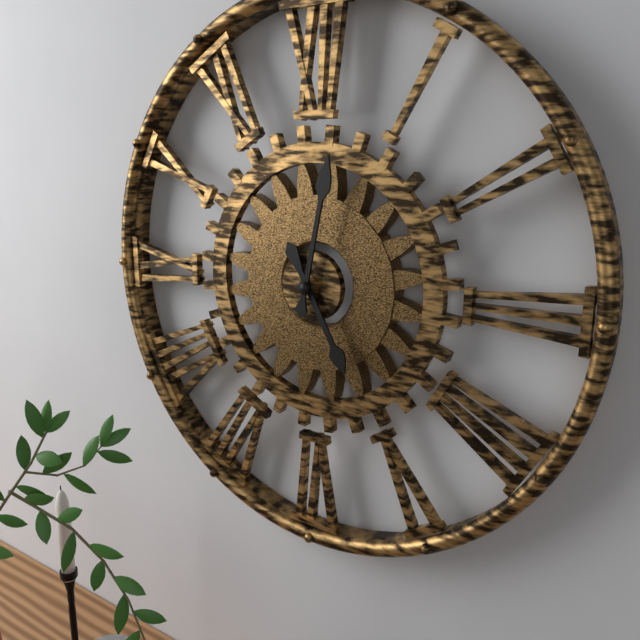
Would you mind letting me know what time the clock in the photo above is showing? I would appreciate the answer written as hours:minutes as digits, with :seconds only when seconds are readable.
5:02
